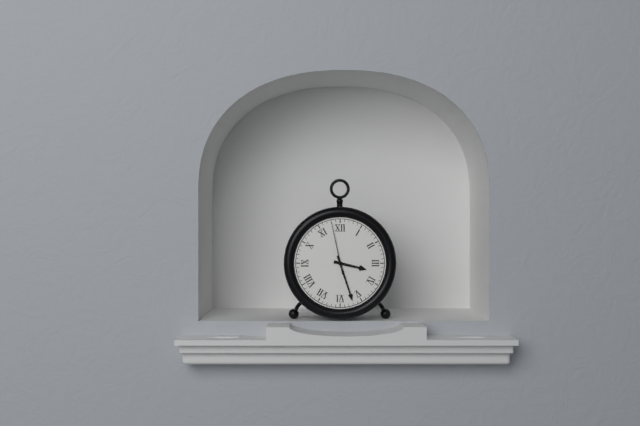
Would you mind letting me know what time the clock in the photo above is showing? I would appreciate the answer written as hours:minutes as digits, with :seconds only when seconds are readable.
3:27:58
